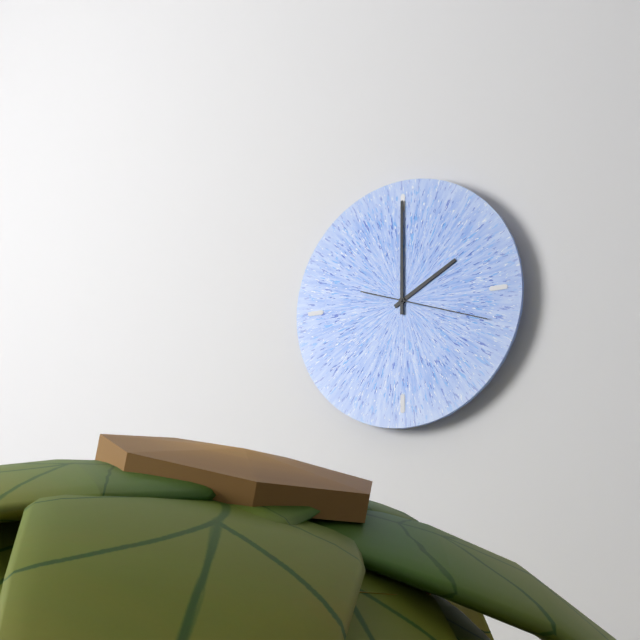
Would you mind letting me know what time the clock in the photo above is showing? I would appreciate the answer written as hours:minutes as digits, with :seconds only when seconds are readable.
2:00:18
